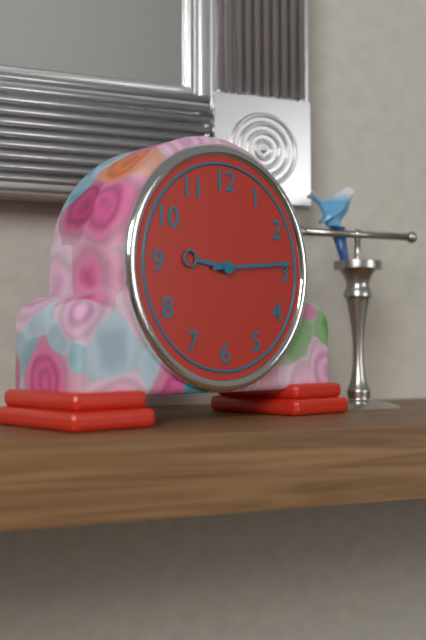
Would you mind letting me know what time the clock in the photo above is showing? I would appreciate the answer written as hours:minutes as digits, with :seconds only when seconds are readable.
9:14
